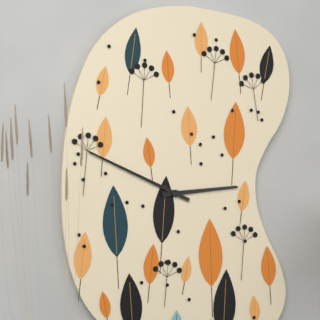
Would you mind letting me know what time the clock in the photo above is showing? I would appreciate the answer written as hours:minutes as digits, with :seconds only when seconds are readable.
2:49
